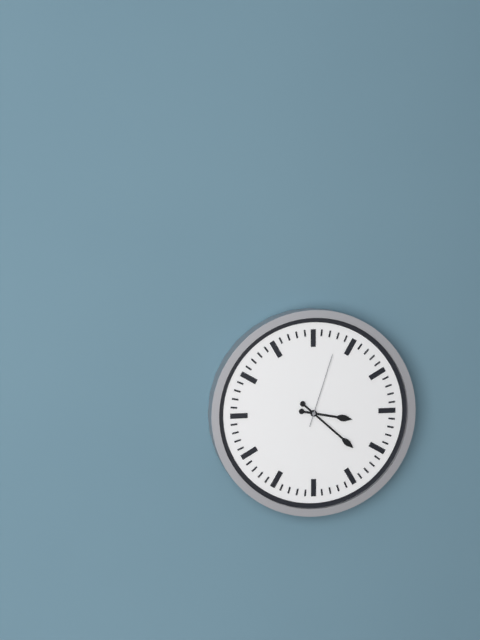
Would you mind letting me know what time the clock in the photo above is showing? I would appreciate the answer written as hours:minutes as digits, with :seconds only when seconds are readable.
3:22:03
